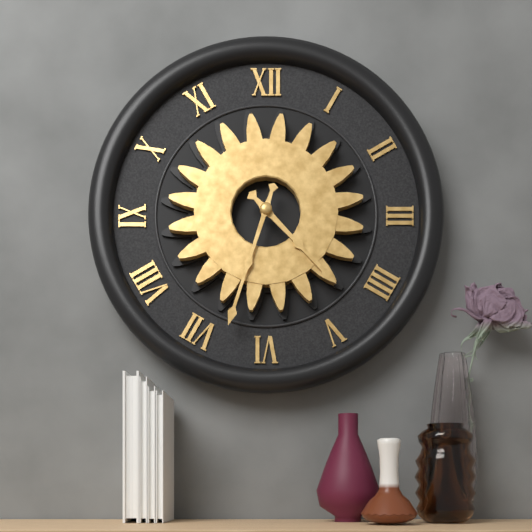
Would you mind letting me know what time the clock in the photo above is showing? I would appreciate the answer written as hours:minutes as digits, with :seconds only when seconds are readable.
4:33
